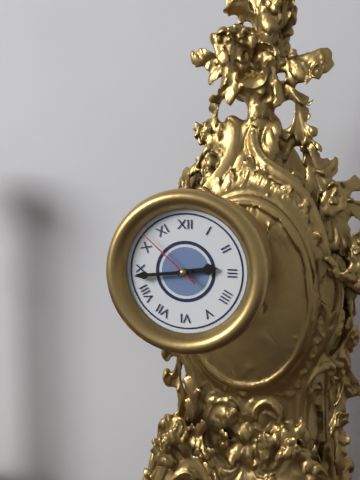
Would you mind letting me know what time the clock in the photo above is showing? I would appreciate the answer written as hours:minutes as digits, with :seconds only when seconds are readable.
2:44:52
